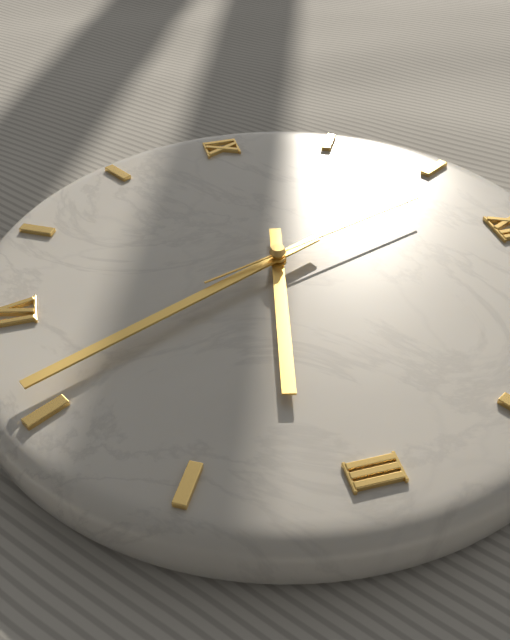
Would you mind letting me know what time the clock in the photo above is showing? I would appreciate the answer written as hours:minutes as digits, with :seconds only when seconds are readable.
3:26:57
